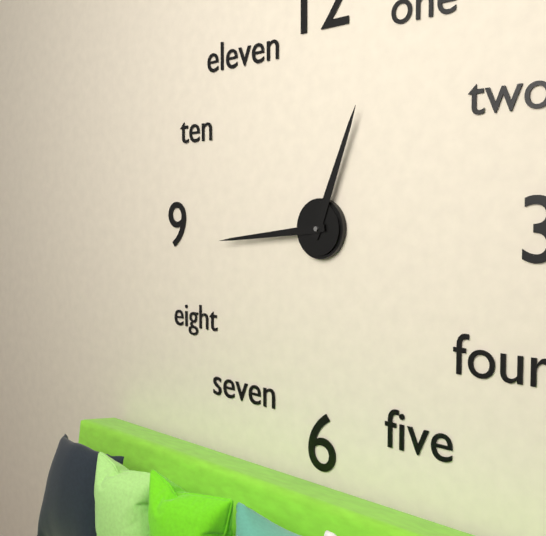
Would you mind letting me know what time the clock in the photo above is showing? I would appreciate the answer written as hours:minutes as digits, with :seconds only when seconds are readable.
12:44
